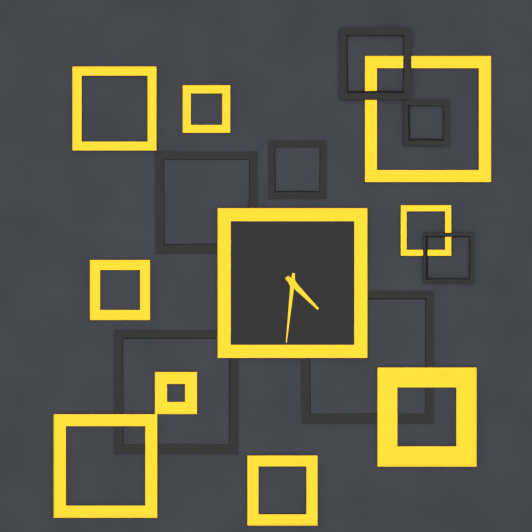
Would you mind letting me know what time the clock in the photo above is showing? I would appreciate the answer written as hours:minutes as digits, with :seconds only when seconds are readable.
4:31
